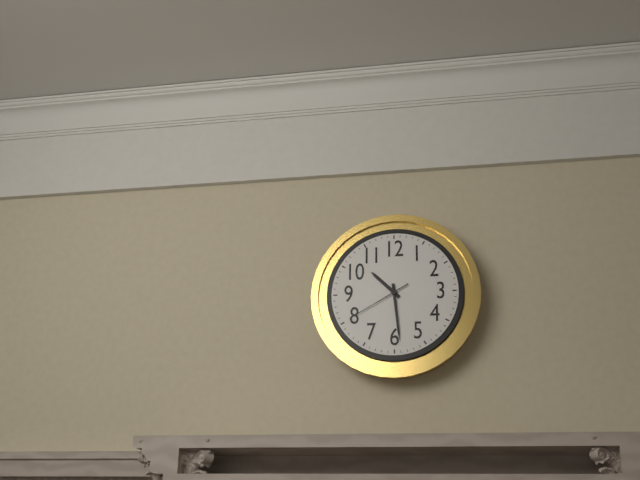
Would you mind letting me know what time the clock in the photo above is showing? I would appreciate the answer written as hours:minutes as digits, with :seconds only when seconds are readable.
10:29:40
